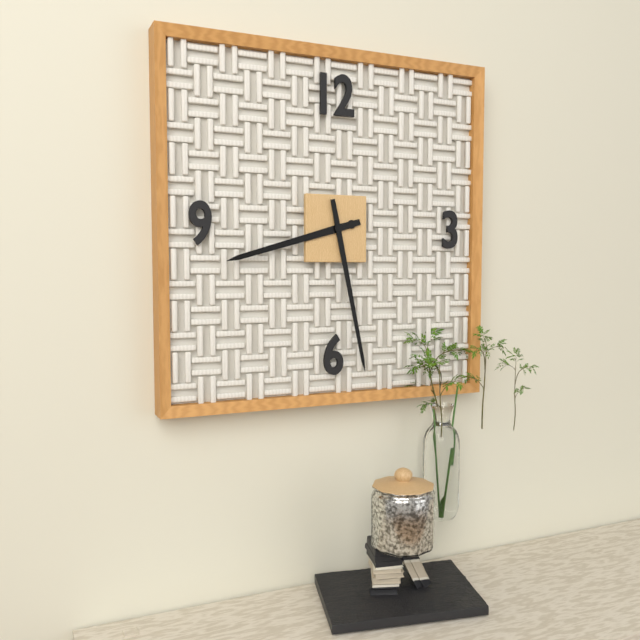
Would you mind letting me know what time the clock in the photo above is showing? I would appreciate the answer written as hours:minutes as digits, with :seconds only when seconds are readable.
8:28
